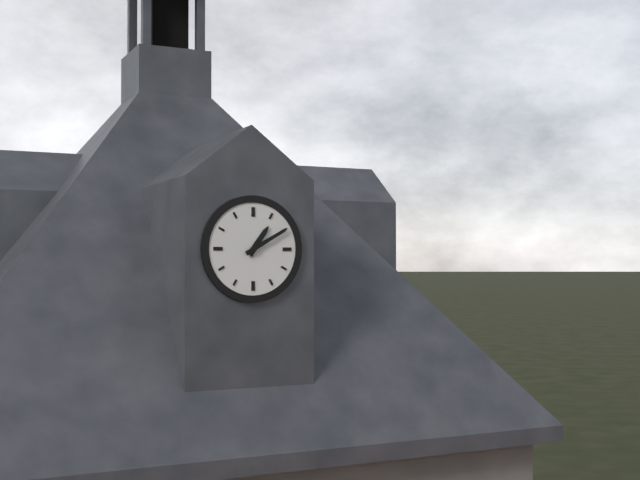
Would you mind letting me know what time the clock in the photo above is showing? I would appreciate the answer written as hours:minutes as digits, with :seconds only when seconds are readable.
1:10
